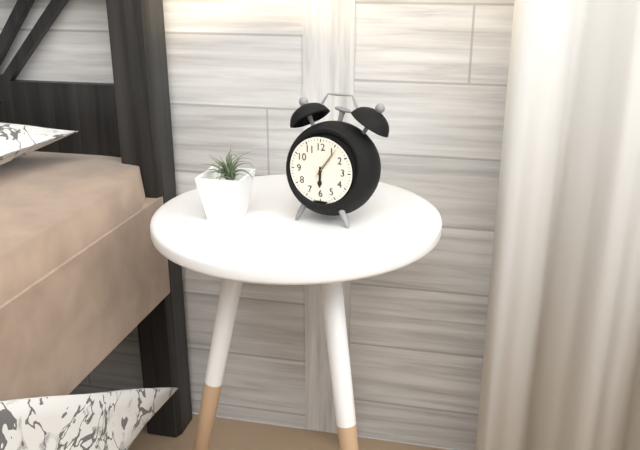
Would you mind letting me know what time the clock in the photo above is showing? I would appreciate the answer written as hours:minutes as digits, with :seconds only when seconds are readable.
6:06
